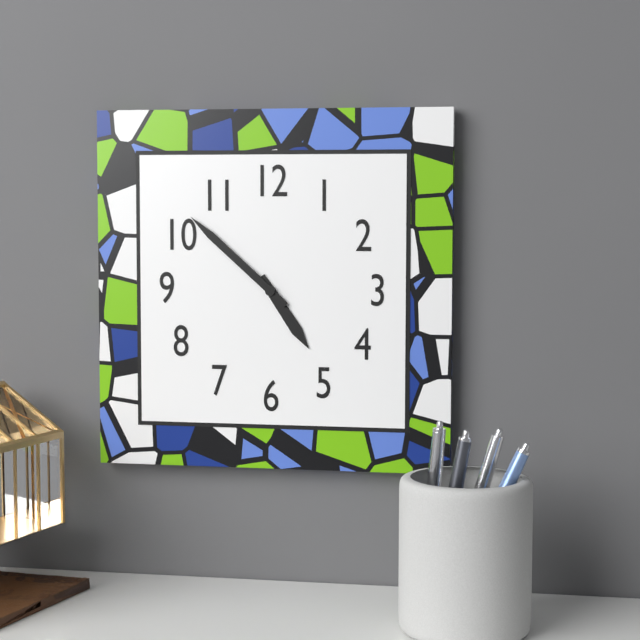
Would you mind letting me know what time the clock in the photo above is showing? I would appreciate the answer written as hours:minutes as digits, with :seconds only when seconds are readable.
4:52
